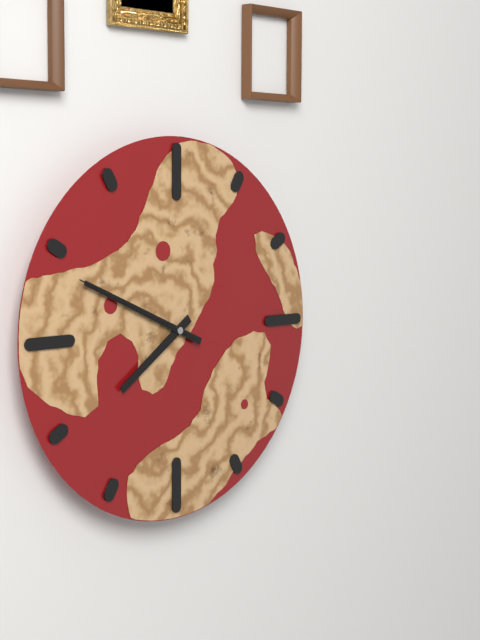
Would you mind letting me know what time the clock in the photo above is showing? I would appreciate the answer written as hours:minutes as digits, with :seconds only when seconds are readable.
7:49:49
